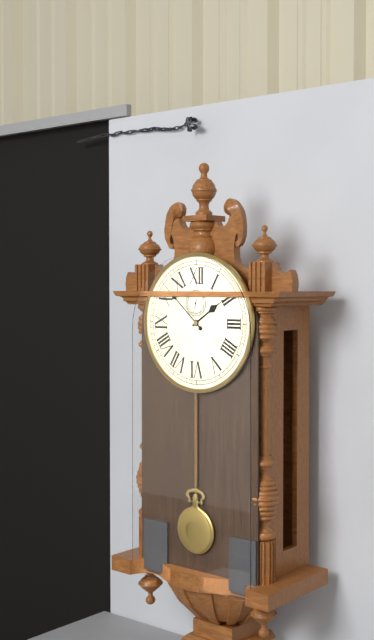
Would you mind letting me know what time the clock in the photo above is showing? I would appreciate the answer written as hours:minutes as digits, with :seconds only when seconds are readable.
1:52
